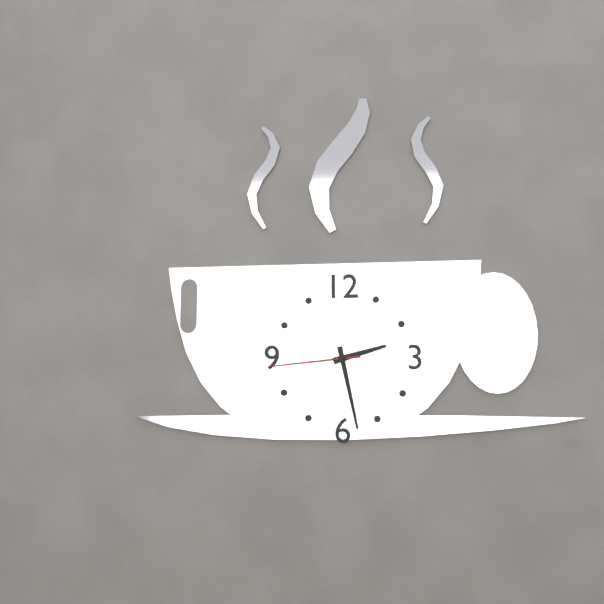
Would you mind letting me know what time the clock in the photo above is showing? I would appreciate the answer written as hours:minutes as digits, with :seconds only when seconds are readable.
2:28:44
